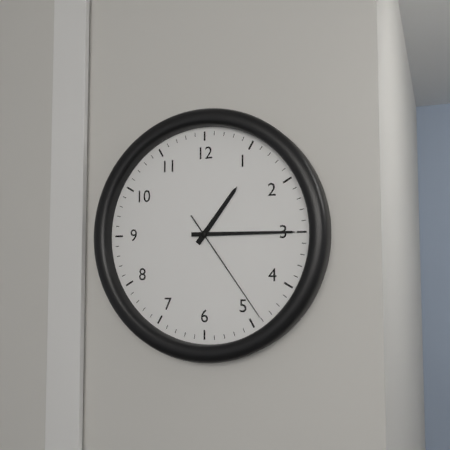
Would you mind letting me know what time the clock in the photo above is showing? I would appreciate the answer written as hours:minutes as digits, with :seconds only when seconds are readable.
1:15:24
